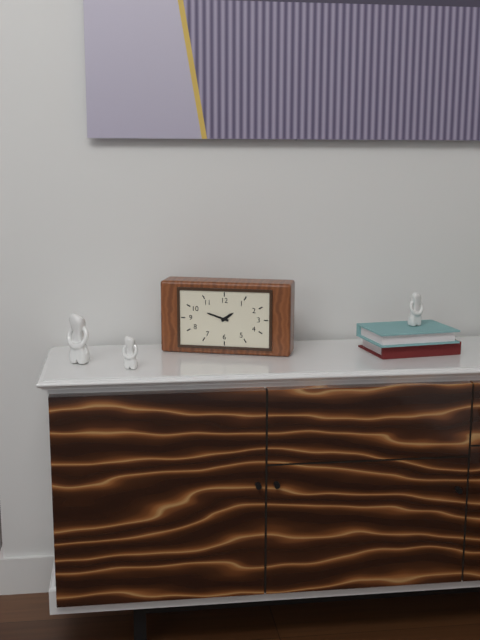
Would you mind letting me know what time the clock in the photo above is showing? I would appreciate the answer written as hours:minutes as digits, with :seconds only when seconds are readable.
1:48
